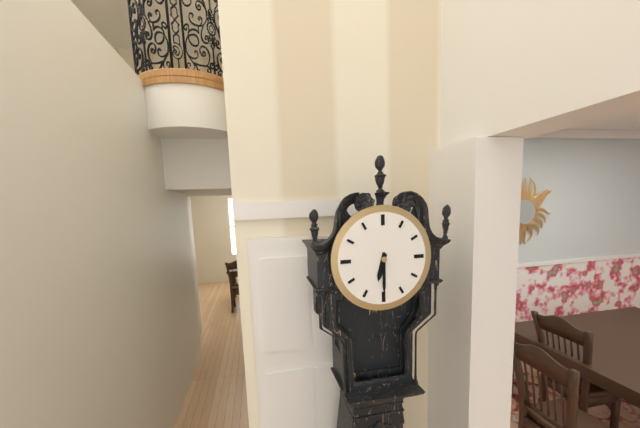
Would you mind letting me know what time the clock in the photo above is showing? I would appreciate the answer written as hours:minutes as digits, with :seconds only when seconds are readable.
6:30
